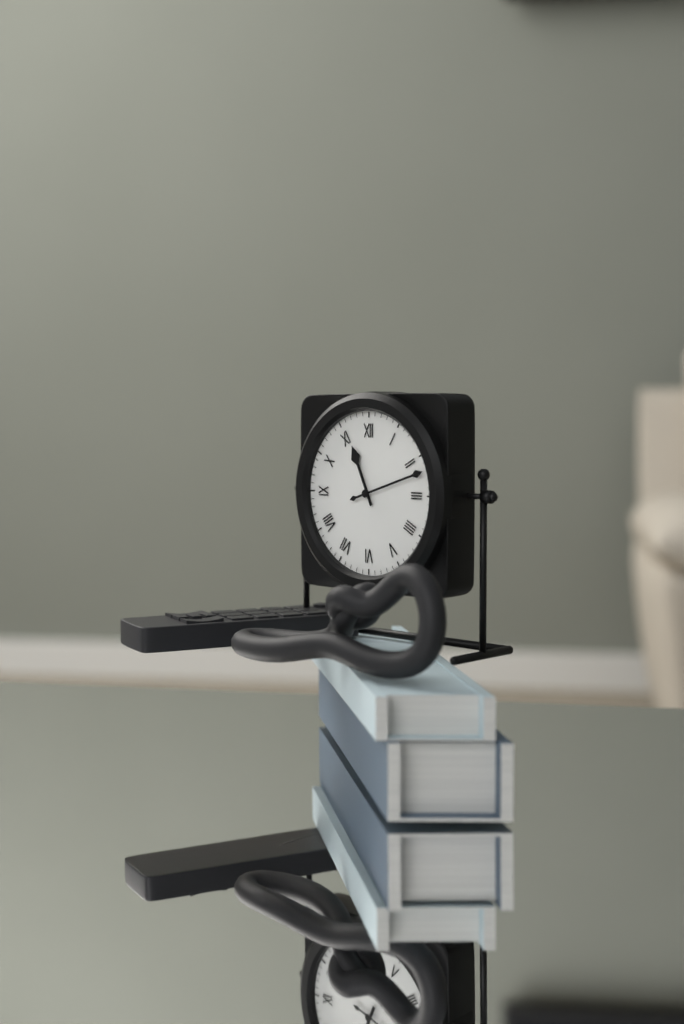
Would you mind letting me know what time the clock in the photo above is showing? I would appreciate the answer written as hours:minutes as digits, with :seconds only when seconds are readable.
11:12
